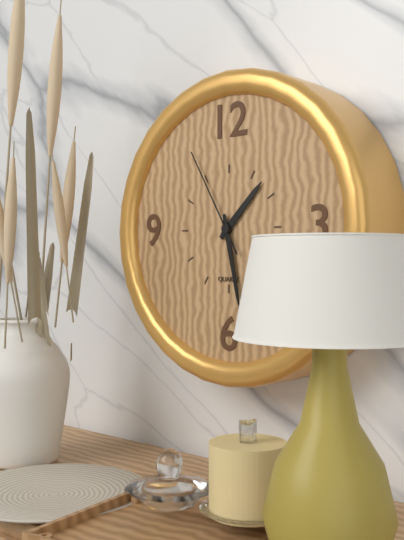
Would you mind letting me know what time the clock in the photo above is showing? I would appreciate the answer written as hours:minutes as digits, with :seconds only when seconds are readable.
1:28:55
